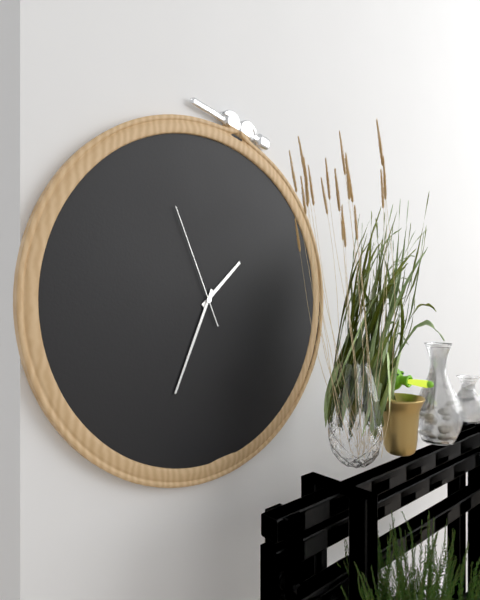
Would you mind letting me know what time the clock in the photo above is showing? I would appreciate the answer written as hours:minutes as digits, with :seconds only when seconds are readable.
1:34:56
